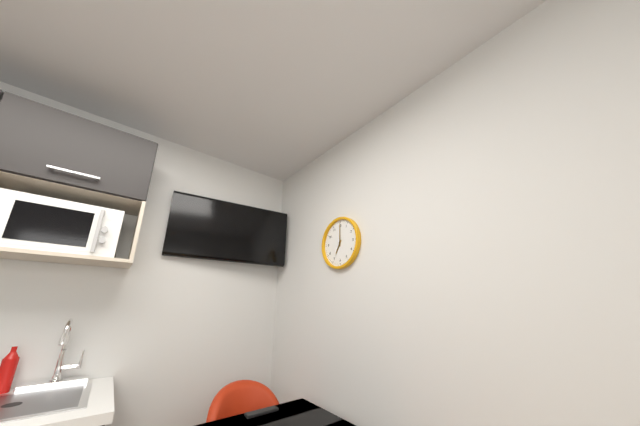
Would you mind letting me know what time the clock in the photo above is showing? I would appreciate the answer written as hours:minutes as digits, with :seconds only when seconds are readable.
7:00
